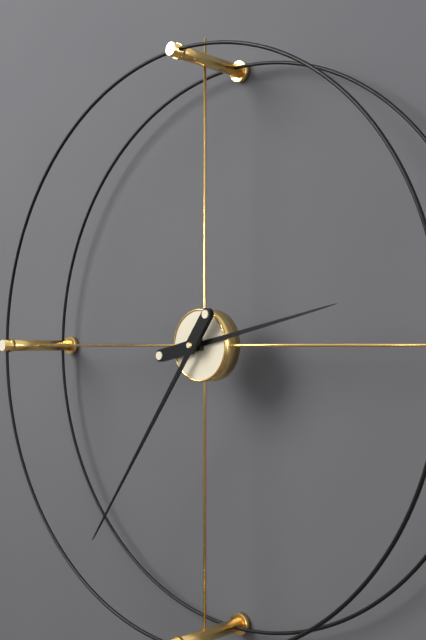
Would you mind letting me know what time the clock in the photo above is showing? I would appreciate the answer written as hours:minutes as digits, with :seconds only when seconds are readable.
2:36
